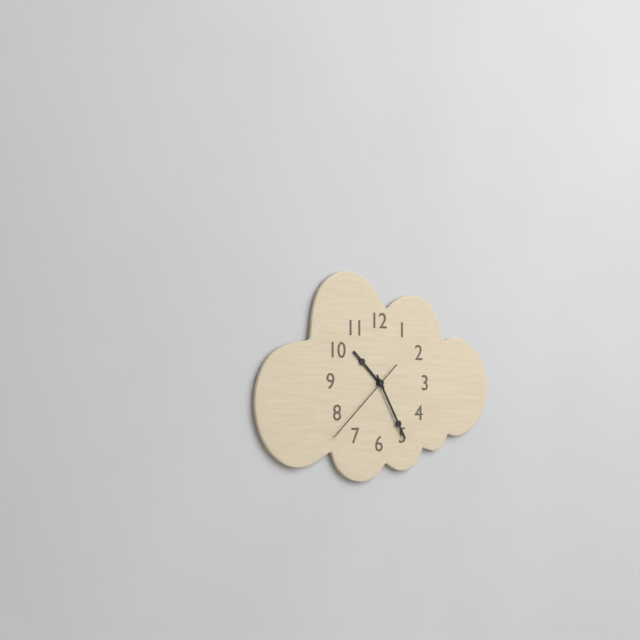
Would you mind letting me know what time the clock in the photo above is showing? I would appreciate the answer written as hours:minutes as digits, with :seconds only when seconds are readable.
10:25:38
